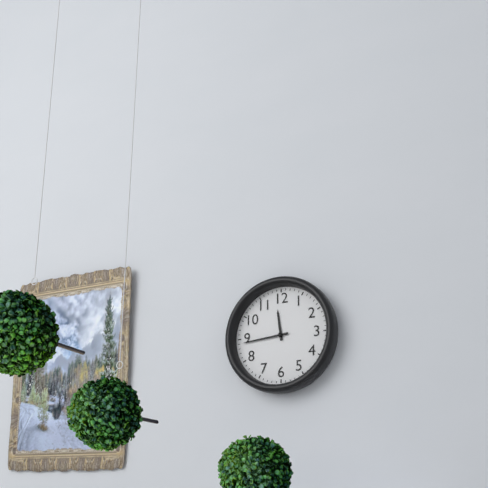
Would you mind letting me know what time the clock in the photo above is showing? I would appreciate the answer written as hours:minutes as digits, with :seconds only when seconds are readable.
11:44
